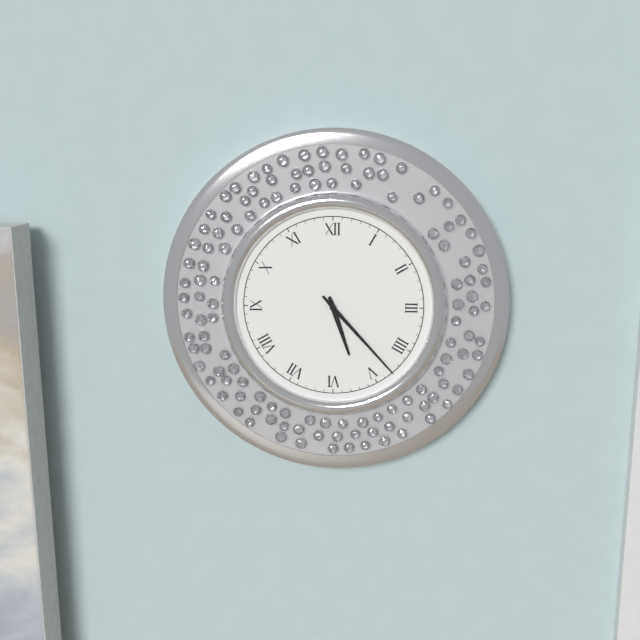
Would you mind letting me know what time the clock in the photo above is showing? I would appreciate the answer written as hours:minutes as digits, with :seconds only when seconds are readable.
5:23
